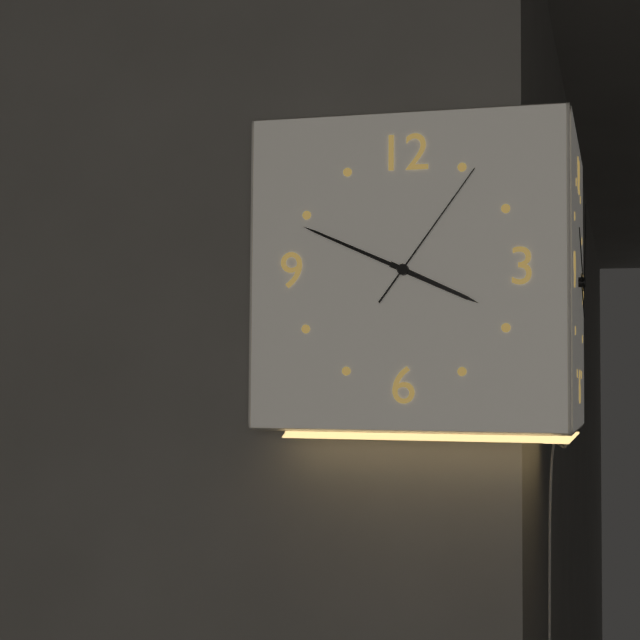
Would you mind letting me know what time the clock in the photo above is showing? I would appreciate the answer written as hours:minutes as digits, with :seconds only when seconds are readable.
3:49:06
